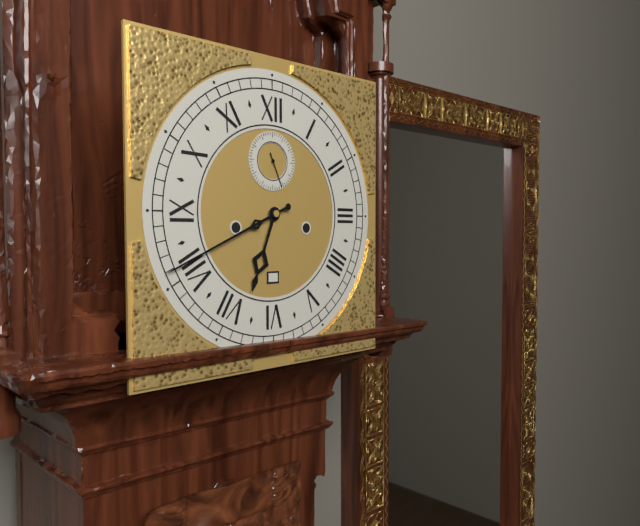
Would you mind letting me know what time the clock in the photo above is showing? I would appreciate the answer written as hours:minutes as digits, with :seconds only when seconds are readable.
6:41
